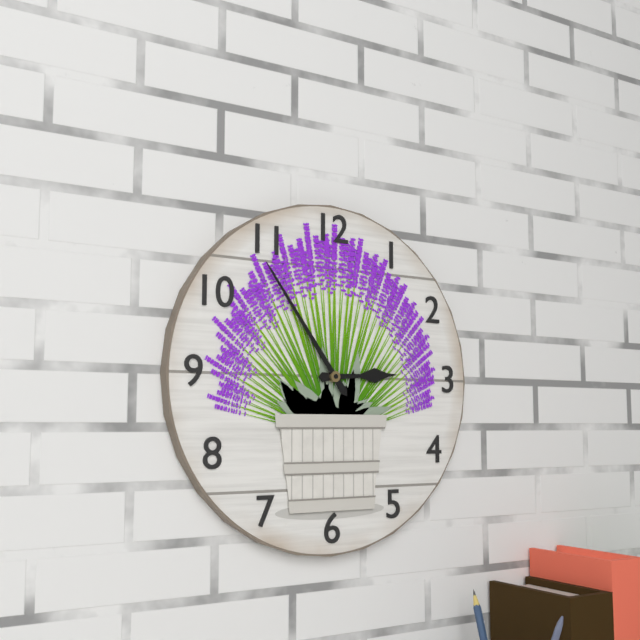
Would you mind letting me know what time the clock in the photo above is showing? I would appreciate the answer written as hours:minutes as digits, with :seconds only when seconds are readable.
2:54
